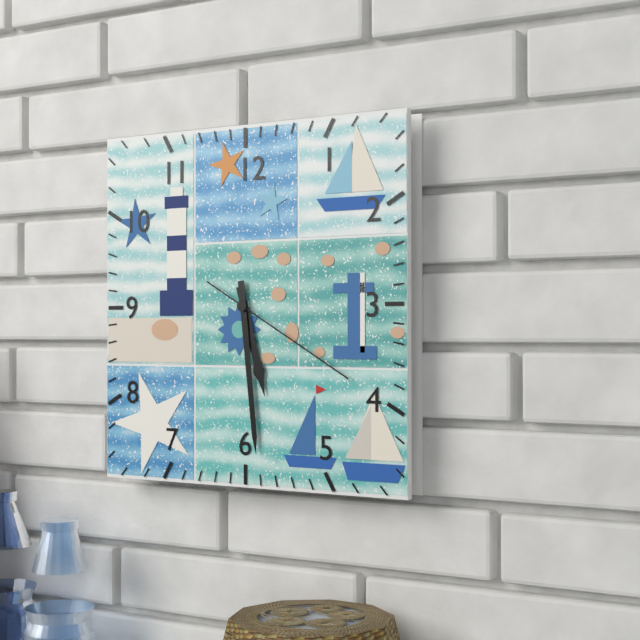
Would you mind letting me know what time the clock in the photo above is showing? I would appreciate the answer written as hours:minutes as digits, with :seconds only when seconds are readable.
5:29:20
